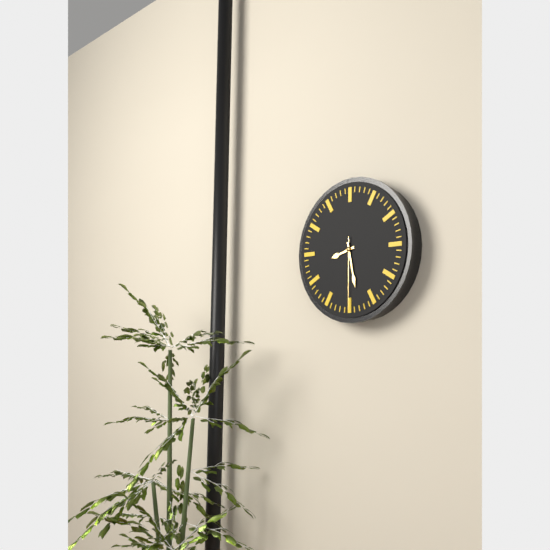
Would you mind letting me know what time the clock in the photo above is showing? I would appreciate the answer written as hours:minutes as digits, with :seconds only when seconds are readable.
8:28:30
